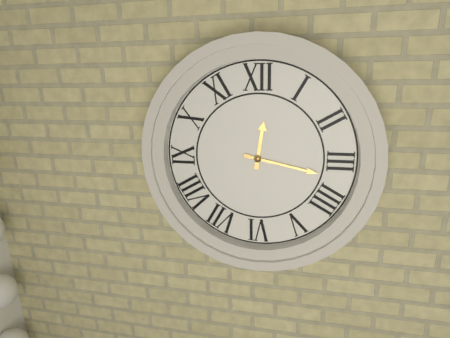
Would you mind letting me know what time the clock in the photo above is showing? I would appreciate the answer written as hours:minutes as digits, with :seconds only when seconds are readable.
12:17
